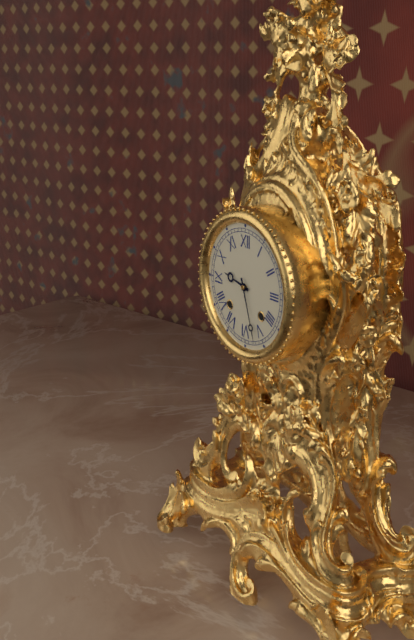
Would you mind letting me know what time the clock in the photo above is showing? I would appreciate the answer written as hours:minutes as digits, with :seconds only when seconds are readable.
9:27
